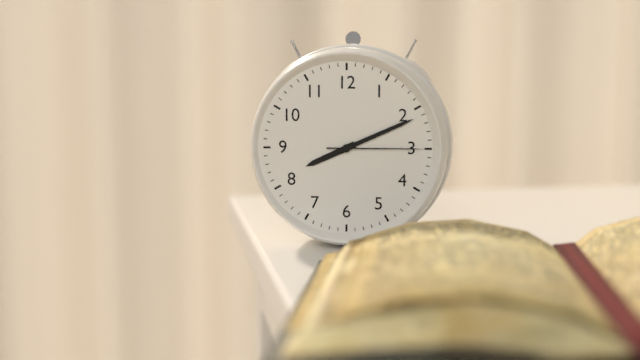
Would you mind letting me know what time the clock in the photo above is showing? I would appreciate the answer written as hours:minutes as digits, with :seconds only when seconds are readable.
8:11:15
